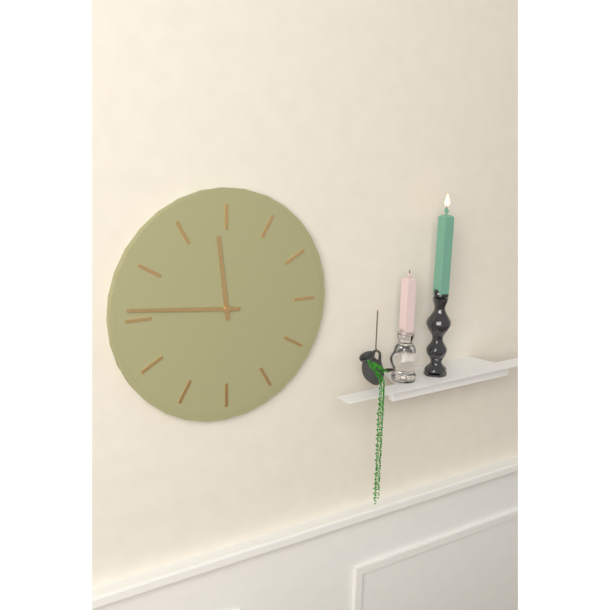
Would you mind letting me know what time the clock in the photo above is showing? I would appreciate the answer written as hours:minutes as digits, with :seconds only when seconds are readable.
11:46
